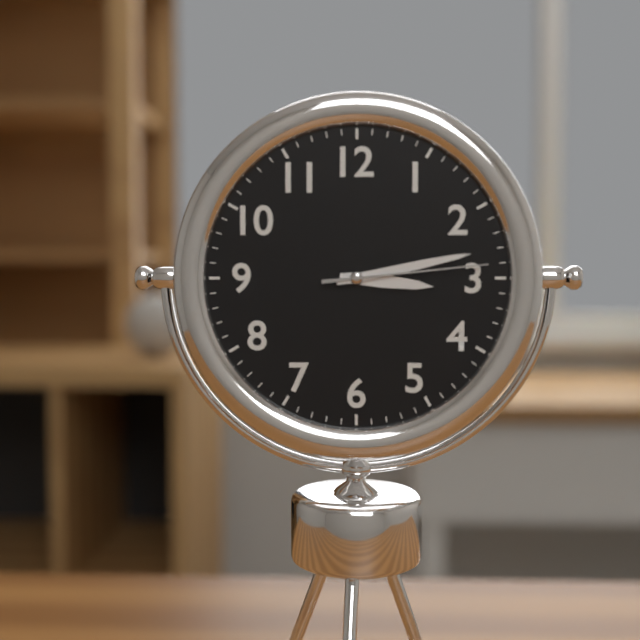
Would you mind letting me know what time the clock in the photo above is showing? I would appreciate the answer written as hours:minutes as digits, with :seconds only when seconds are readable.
3:13:14
